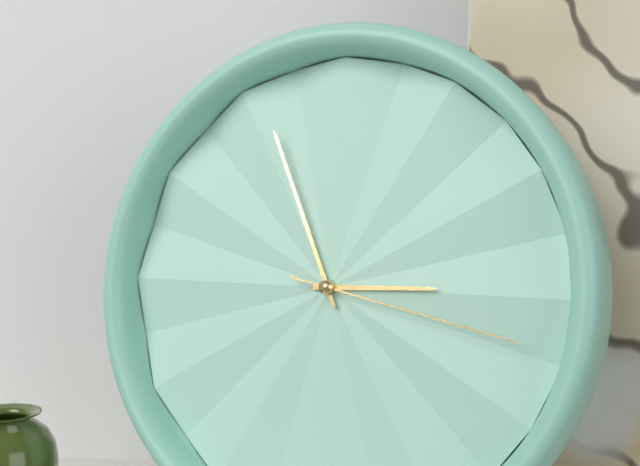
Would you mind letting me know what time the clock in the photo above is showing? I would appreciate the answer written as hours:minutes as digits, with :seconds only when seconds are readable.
2:56:17
